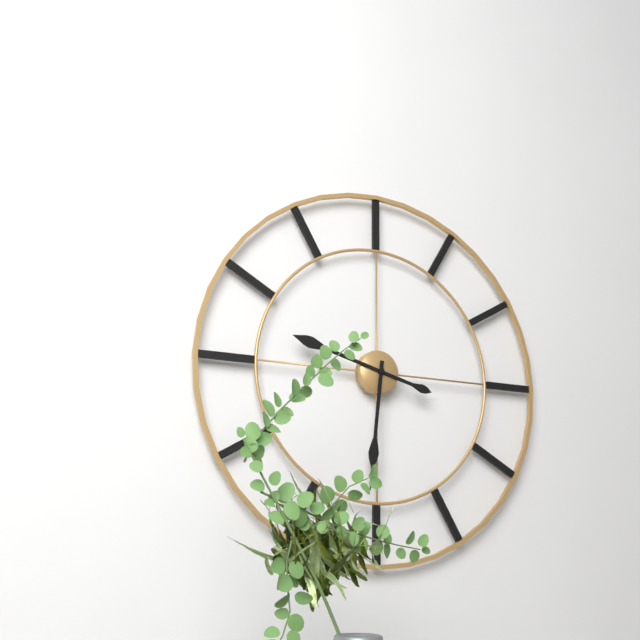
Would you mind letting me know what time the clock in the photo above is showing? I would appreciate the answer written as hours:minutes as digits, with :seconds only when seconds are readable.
9:31
